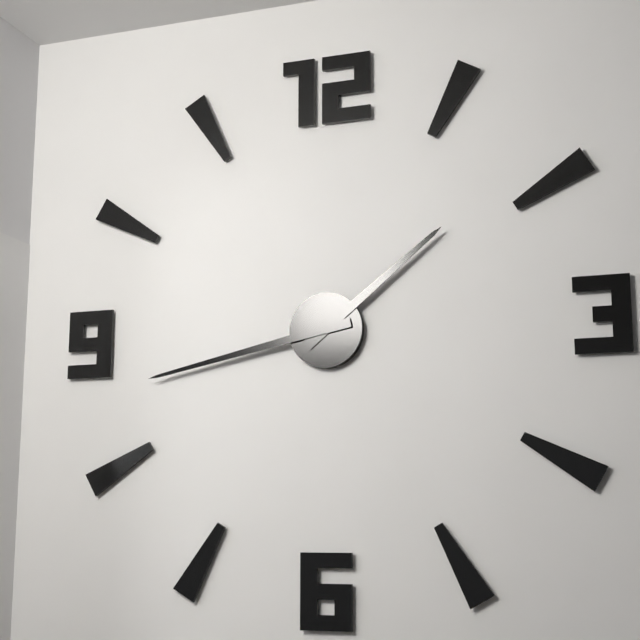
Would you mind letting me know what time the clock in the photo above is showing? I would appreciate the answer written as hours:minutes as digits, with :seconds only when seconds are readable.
1:43
